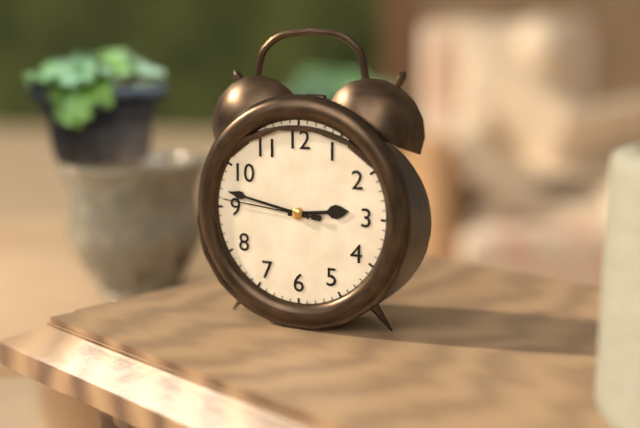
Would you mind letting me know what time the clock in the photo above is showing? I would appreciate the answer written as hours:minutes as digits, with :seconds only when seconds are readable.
2:47:46
